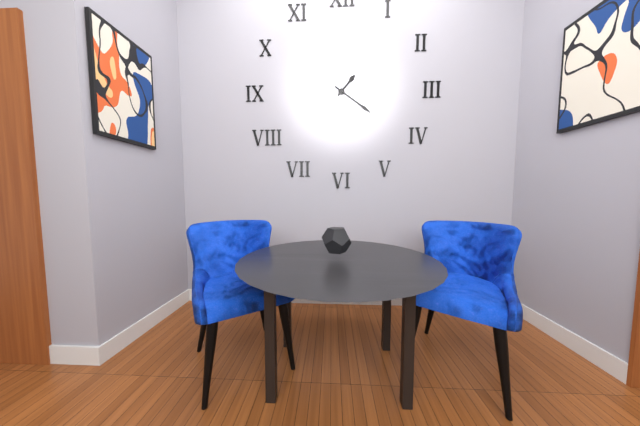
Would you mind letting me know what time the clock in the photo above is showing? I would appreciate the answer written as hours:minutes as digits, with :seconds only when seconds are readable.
1:21
